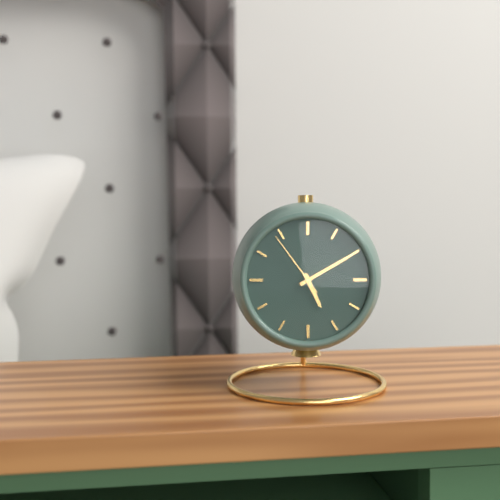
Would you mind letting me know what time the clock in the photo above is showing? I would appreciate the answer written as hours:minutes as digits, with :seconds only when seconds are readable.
5:10:54
